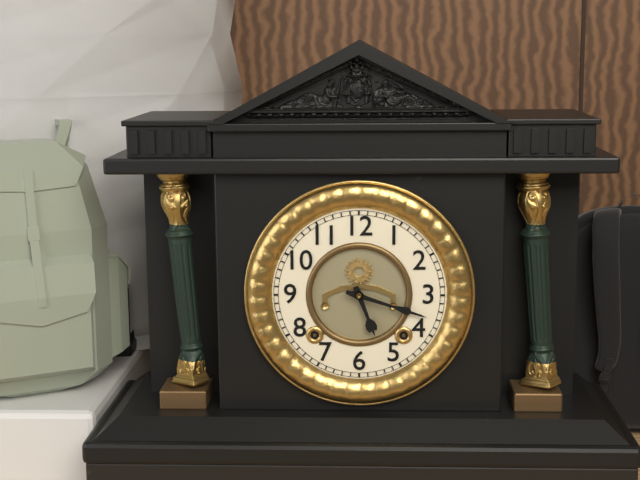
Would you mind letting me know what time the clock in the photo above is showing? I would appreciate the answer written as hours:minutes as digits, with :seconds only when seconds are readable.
5:18
